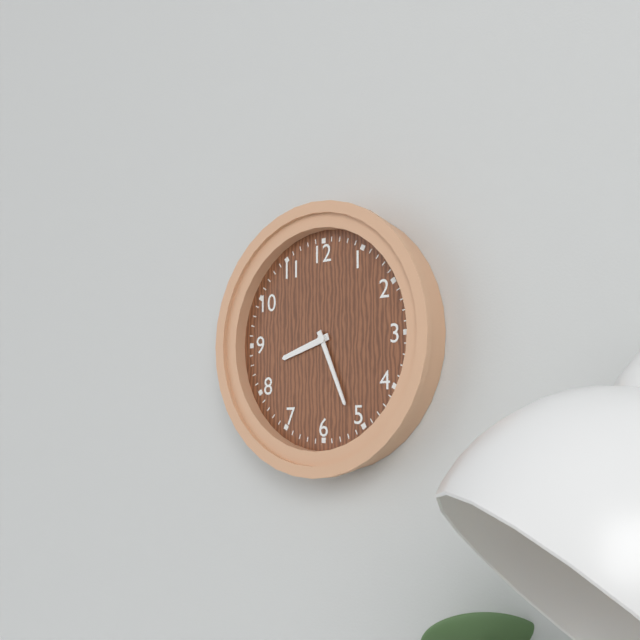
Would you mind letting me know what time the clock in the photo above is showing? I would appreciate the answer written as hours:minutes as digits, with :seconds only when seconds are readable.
8:26
